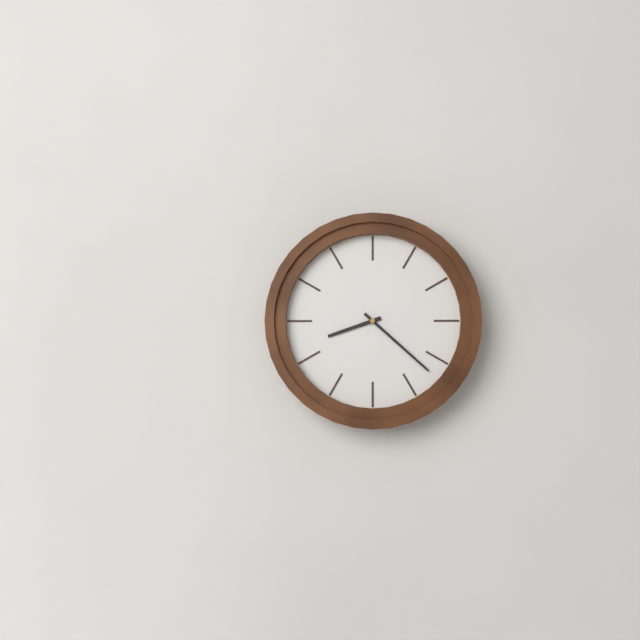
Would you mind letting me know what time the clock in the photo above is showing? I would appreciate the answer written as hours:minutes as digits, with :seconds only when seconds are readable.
8:22
